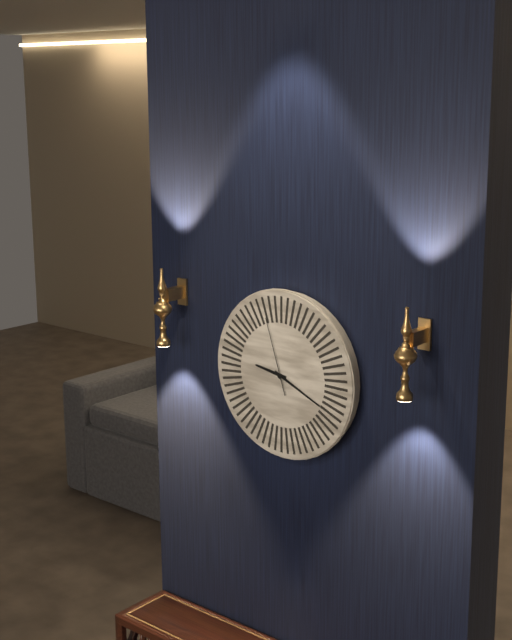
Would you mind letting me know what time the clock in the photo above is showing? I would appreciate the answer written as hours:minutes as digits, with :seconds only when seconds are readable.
9:19:57
